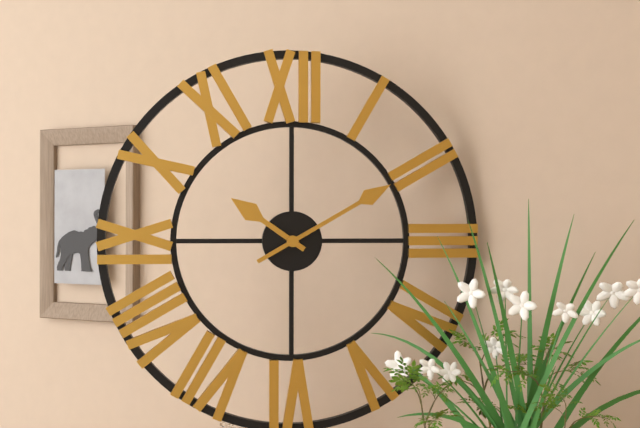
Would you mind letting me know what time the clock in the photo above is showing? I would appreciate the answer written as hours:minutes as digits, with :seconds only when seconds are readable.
10:10
